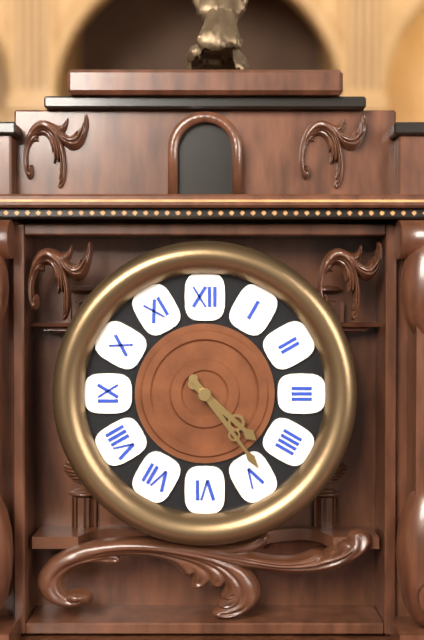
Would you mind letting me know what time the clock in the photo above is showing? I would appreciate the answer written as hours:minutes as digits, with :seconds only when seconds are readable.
4:24
